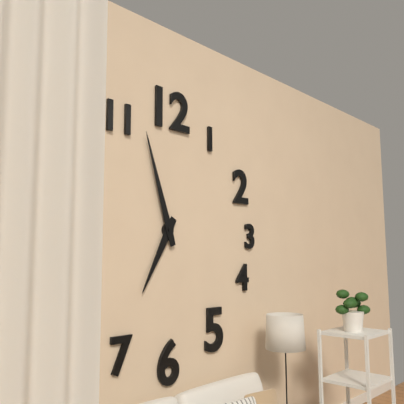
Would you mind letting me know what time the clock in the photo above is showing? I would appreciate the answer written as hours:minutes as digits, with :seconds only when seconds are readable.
6:57
